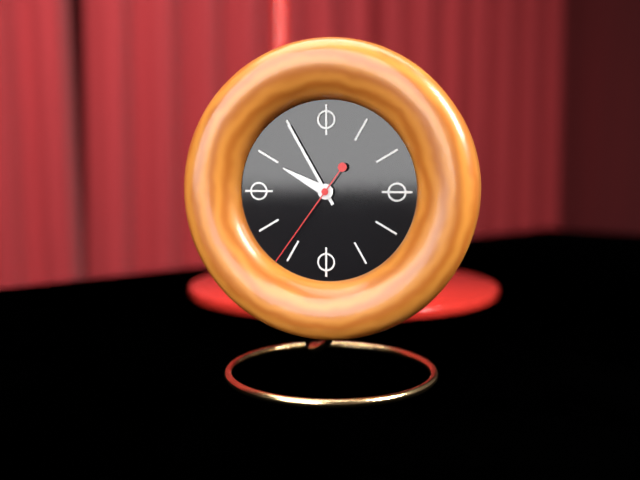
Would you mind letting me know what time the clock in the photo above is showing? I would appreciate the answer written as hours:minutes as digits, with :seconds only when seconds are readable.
9:55:36
